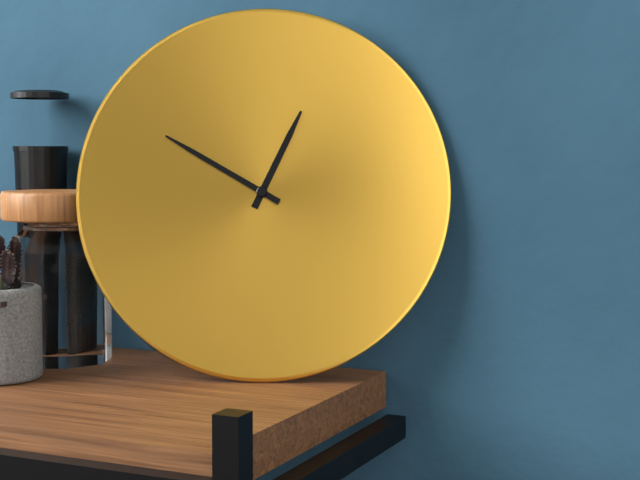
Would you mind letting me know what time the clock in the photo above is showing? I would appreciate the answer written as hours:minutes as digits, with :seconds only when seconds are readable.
12:50
